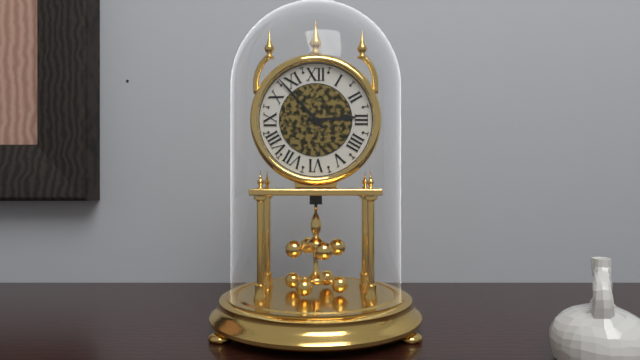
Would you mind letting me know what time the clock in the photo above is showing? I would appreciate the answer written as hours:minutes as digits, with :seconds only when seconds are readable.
2:53
